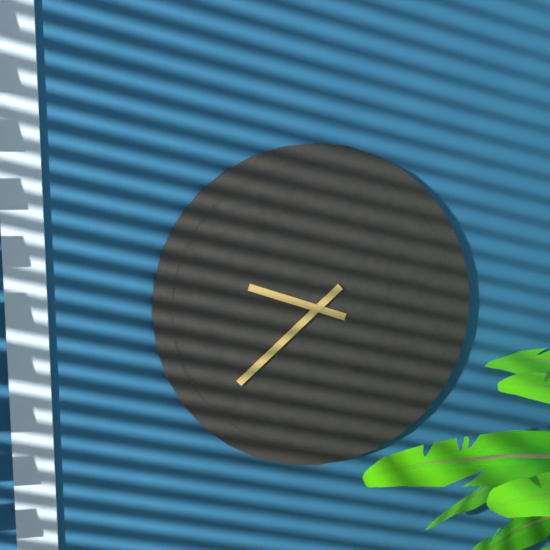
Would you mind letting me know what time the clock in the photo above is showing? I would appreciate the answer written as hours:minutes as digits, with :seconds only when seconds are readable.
9:38
